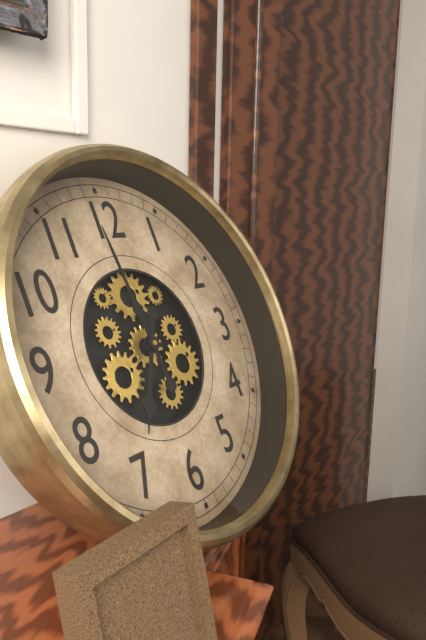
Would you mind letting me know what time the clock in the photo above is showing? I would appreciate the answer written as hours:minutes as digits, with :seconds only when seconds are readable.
6:59
